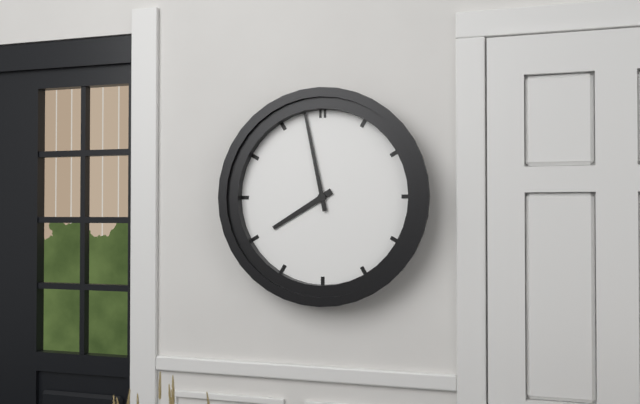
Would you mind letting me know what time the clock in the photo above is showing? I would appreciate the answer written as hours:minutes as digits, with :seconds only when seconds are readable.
7:58
